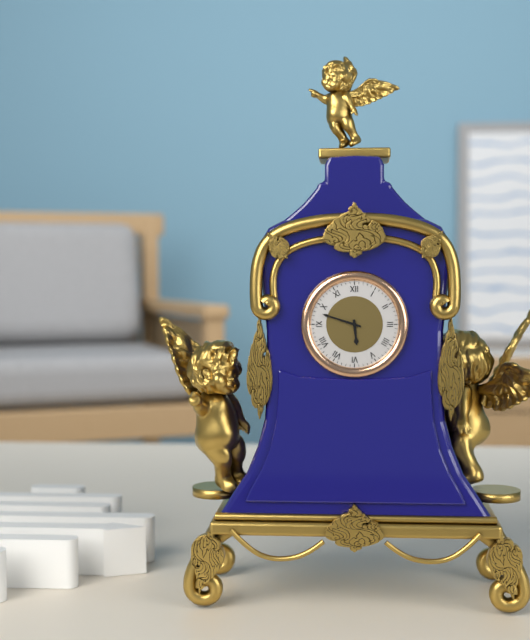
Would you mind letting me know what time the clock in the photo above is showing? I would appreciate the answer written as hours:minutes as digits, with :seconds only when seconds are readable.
5:48
